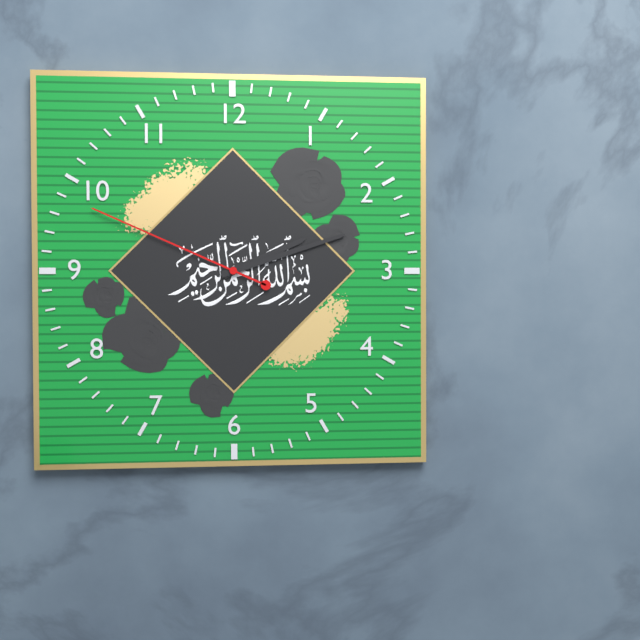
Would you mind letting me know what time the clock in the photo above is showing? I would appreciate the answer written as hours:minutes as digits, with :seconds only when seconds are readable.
2:12:49
